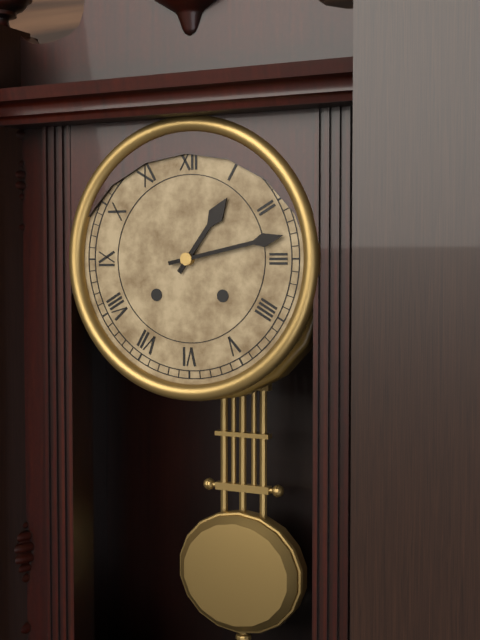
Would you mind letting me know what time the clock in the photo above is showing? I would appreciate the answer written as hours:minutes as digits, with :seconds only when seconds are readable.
1:13
